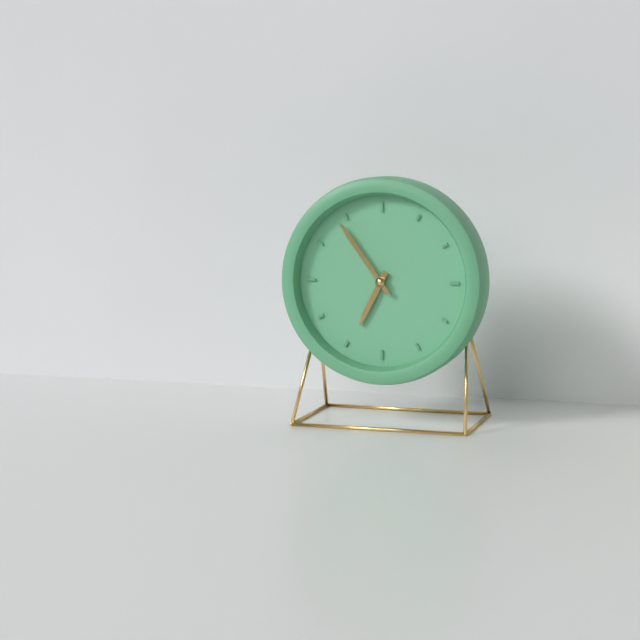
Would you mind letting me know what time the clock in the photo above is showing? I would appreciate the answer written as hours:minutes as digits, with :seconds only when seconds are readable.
6:54
